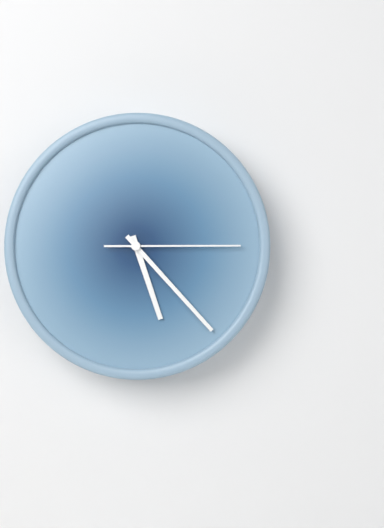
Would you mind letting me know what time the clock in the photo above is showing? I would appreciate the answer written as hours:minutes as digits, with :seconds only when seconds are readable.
5:23:15
